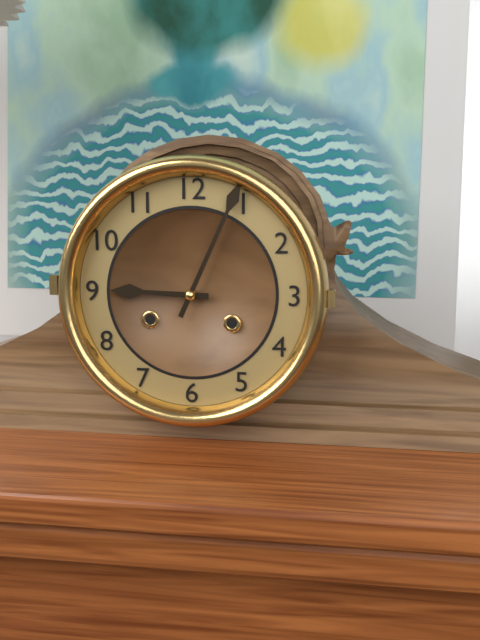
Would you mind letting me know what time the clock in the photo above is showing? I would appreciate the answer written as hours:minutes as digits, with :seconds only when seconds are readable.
9:04
